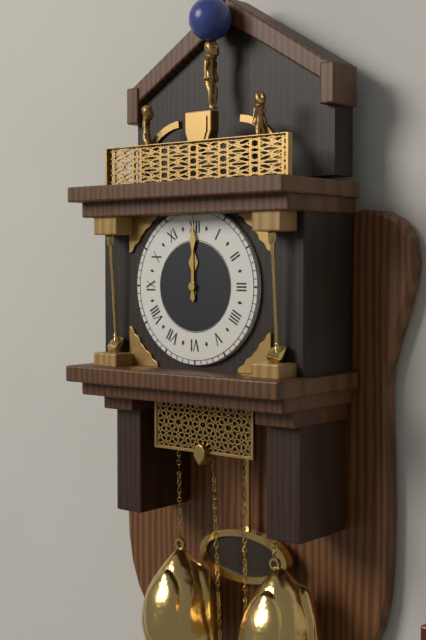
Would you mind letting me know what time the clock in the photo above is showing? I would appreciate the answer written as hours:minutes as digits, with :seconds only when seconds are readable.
12:00
